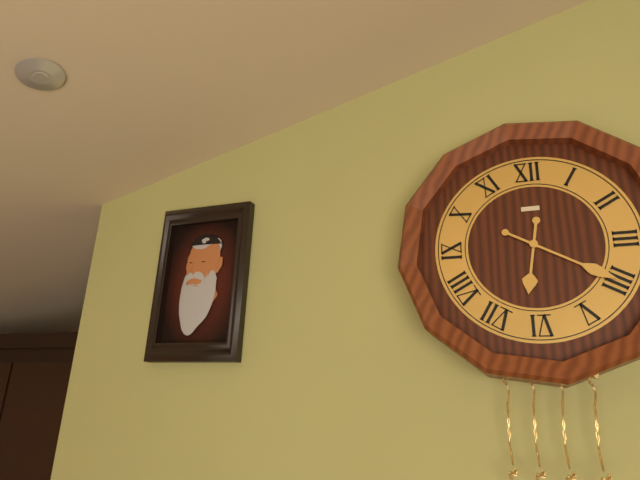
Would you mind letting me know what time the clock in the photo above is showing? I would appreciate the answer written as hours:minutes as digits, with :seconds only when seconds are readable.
6:20
